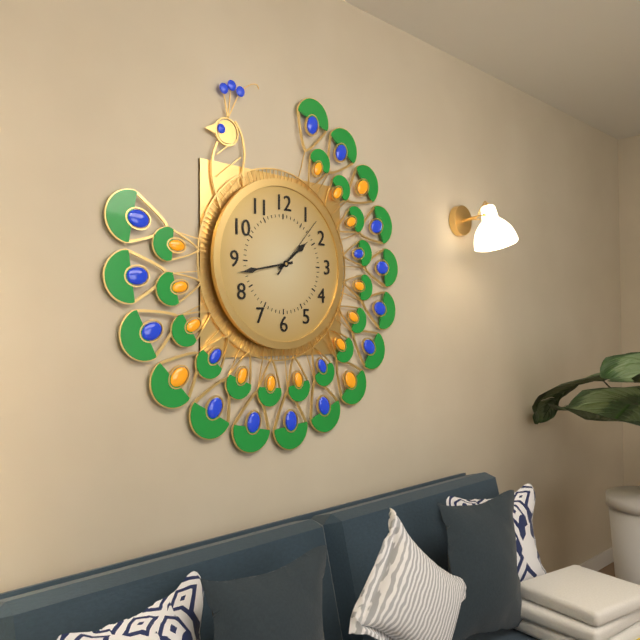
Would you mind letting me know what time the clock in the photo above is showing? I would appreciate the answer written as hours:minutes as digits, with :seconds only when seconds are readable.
1:43:07
